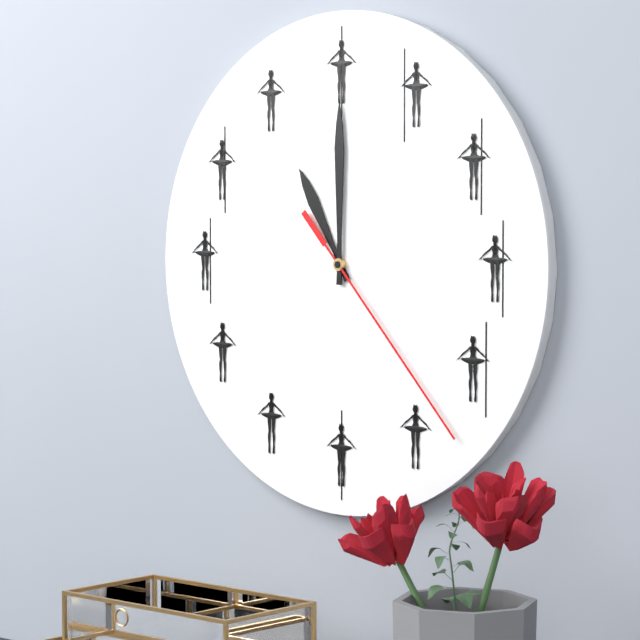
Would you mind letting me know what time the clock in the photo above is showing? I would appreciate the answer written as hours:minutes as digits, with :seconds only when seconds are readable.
11:00:23
